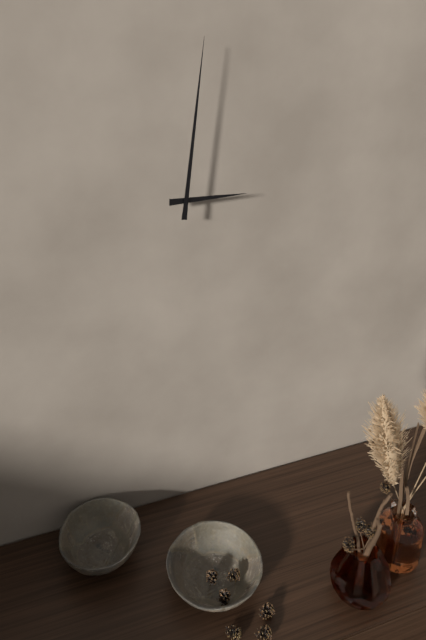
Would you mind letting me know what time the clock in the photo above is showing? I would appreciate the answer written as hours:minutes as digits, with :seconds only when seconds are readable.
3:01
